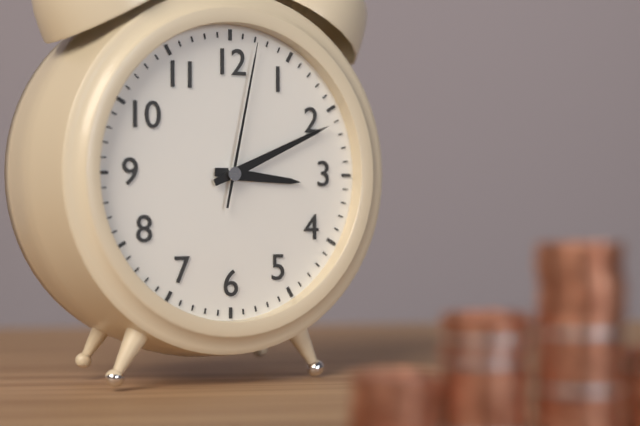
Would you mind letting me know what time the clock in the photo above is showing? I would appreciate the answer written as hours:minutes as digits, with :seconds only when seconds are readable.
3:11:02
